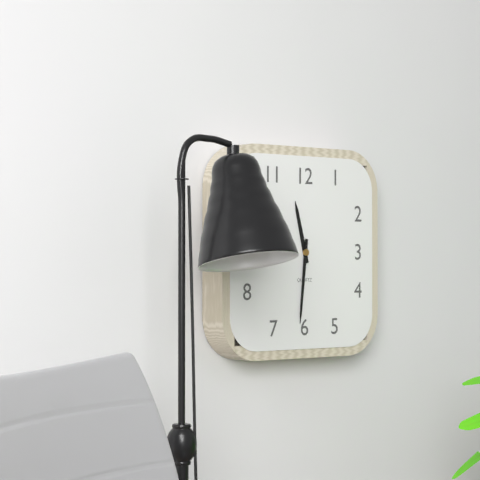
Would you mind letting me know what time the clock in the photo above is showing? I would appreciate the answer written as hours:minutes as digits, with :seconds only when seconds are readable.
11:31
